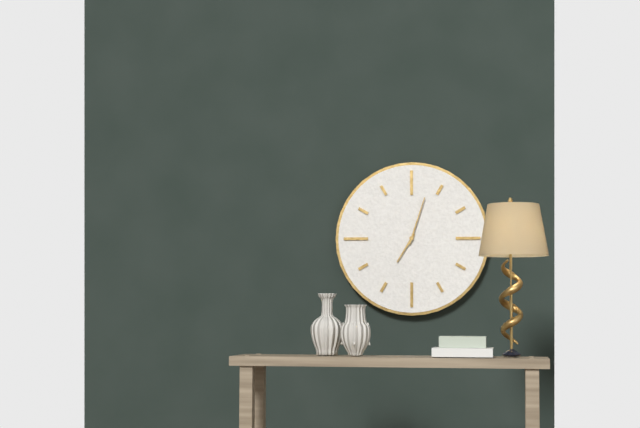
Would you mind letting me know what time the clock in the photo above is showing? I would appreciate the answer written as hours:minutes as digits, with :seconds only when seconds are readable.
7:03
